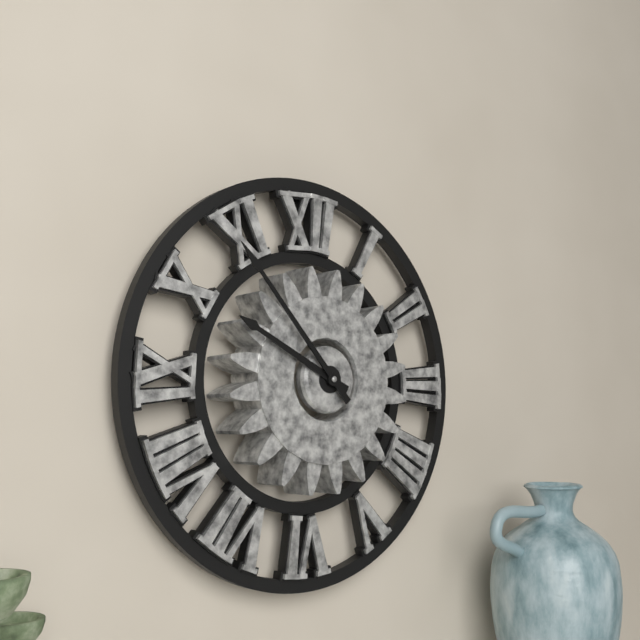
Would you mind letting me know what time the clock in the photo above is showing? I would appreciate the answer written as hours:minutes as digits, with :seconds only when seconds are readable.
9:53
